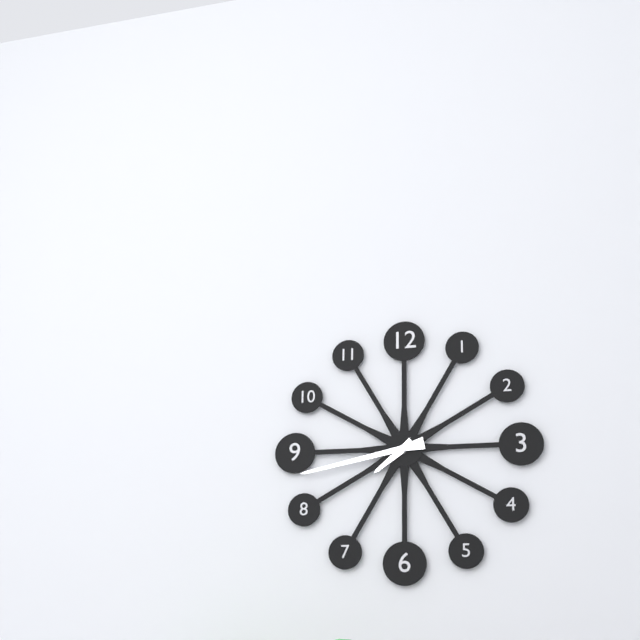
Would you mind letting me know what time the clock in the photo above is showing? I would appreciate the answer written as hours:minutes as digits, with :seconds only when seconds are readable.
7:43
